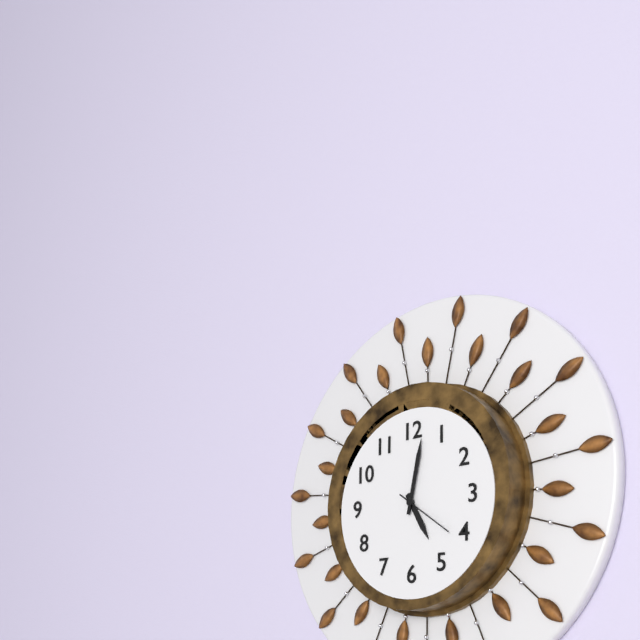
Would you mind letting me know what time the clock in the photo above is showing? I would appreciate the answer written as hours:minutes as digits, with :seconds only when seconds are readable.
5:02:21
